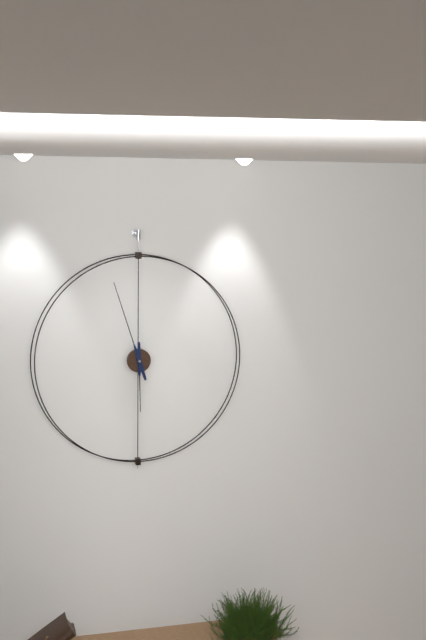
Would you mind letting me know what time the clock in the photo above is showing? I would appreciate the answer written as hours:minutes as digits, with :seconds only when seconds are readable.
5:57
